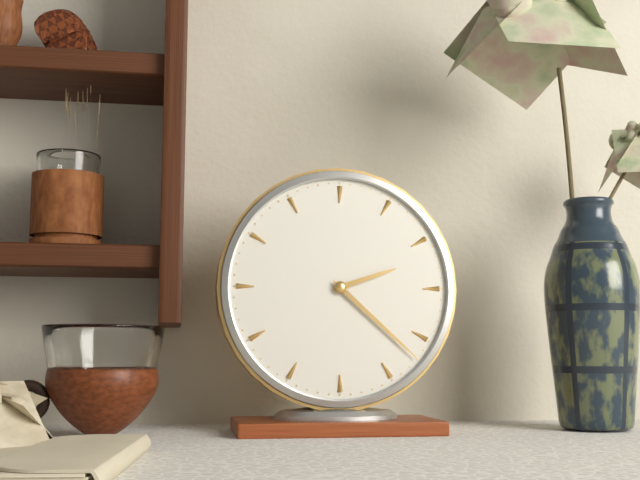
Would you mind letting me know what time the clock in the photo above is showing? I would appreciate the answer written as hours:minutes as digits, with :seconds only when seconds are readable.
2:22
